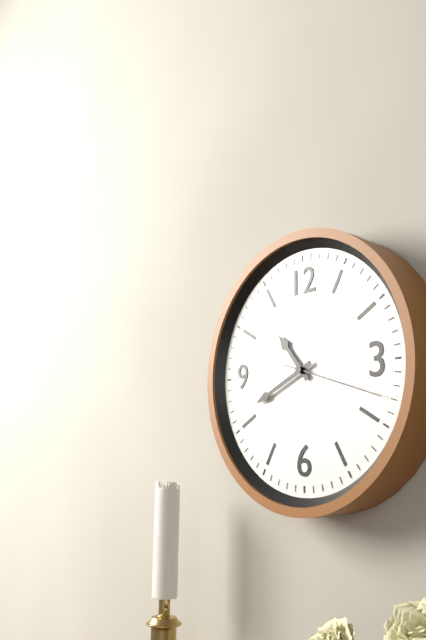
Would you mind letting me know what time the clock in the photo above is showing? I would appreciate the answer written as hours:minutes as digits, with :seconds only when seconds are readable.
10:41:18
